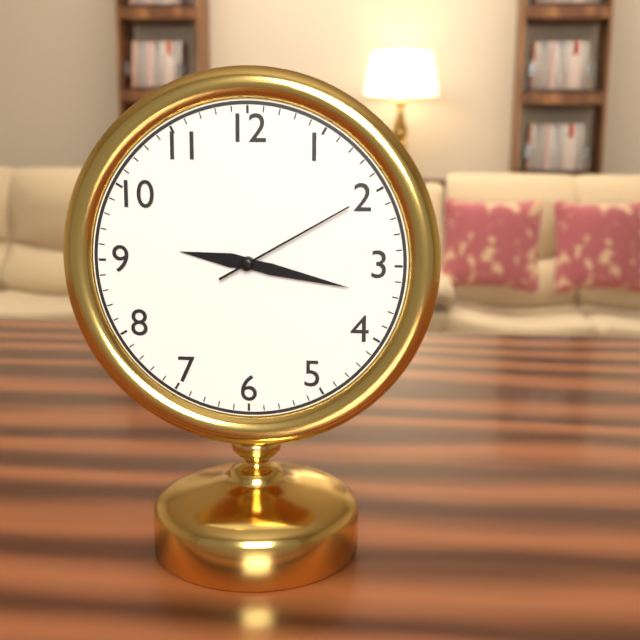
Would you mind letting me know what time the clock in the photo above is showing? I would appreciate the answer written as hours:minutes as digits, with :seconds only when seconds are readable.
9:17:10
